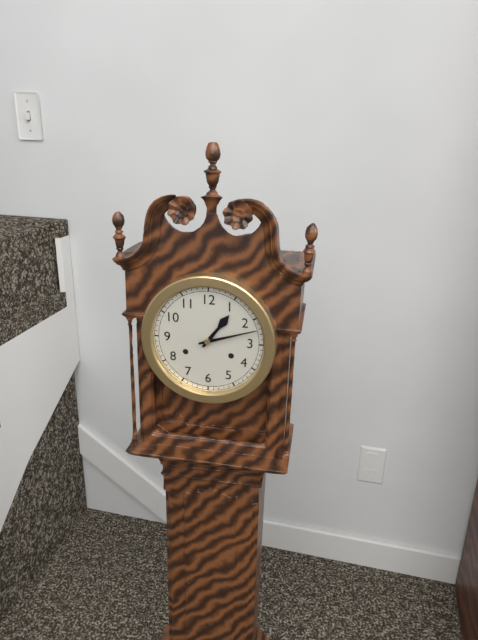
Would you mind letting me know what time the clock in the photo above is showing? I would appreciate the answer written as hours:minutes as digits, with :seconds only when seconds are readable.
1:12
